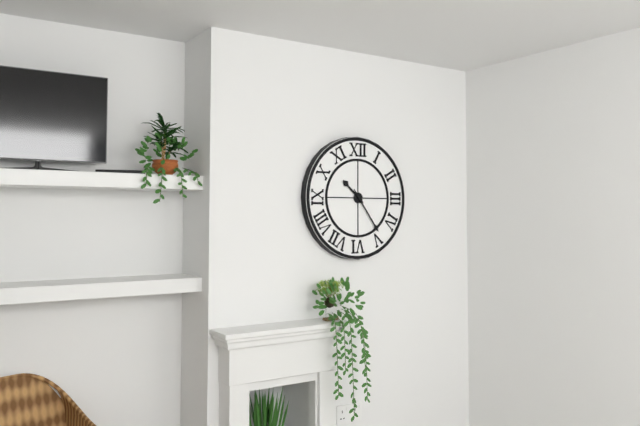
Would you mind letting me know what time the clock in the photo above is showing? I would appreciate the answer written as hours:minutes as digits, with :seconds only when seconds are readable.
10:24
